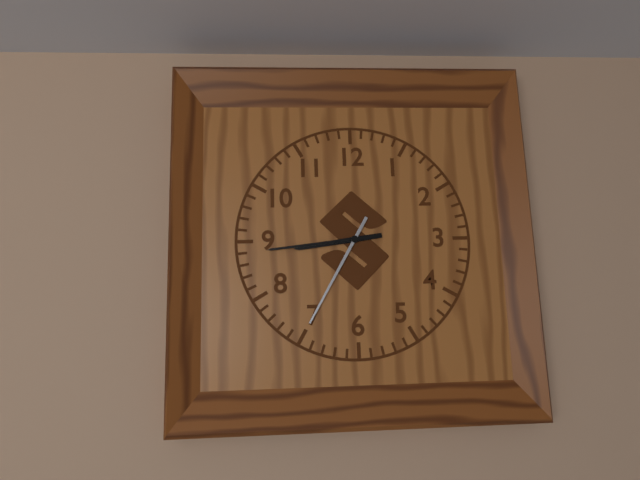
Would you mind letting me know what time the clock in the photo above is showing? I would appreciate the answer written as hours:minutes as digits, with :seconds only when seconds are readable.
8:44:35
